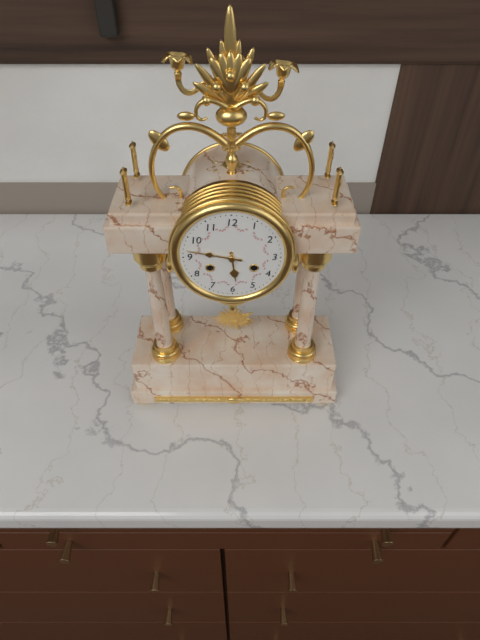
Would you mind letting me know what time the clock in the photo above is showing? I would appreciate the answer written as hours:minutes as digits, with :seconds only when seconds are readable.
5:47
